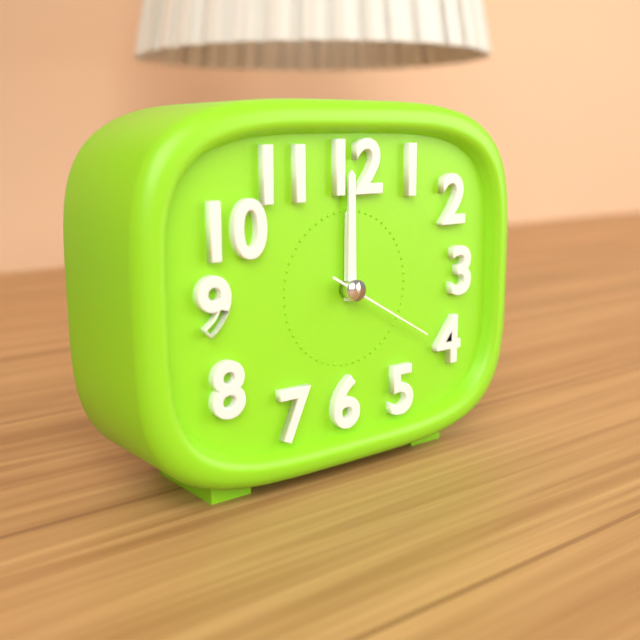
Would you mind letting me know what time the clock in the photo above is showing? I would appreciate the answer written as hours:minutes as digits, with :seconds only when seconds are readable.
12:00:20
